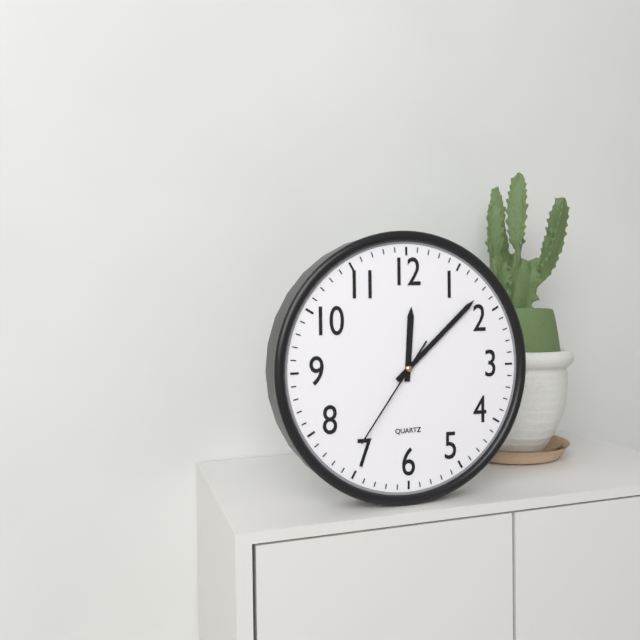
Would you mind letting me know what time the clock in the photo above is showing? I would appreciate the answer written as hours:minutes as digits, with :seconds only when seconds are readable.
12:08:36
